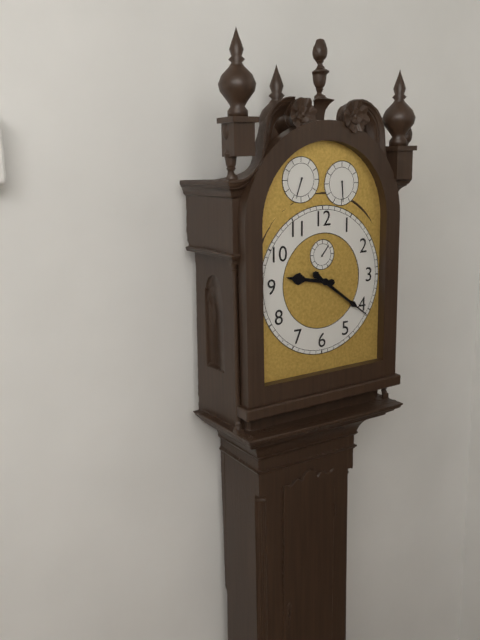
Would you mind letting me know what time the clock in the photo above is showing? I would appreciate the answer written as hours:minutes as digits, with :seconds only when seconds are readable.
9:21
